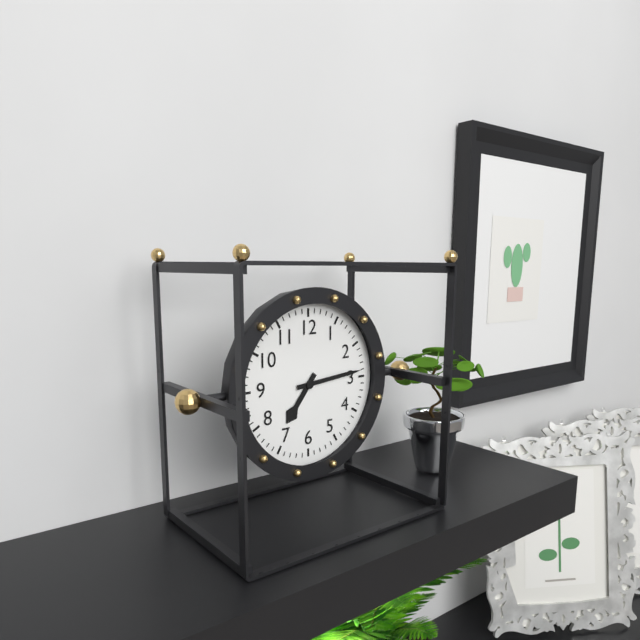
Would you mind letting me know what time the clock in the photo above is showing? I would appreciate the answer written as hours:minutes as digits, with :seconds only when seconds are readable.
7:14
